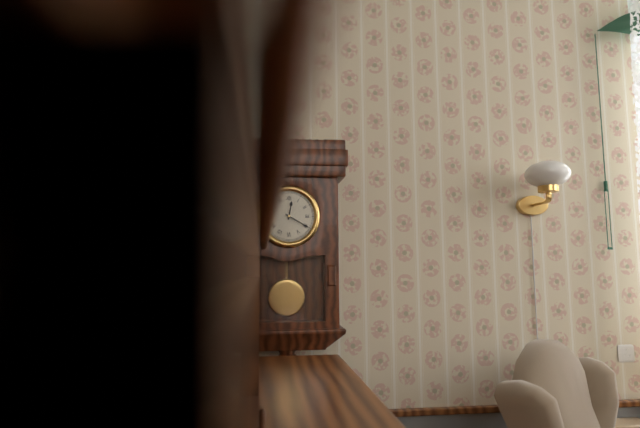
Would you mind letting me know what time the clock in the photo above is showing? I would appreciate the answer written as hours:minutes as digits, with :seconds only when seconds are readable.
12:20
